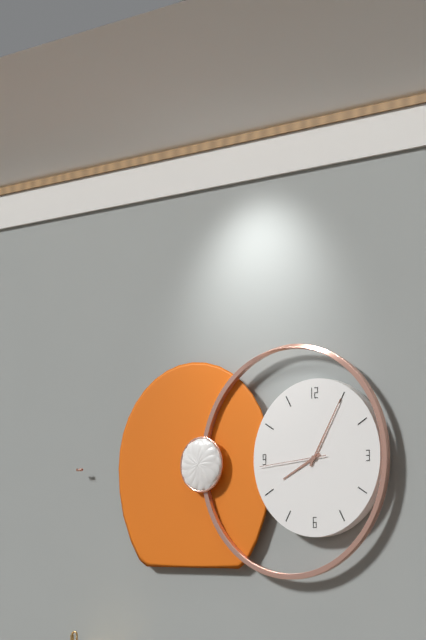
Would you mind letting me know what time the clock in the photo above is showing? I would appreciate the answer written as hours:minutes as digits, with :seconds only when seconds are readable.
8:05:44
